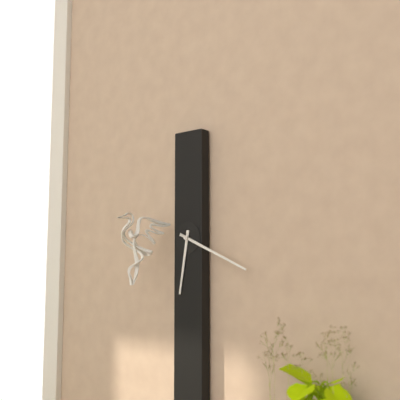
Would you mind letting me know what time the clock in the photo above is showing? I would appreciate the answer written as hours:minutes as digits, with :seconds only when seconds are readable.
6:19
